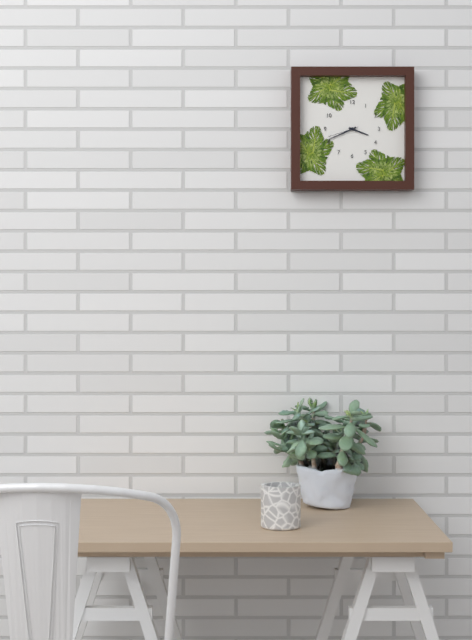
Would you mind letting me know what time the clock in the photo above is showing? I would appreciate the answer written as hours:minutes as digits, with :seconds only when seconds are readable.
3:41
